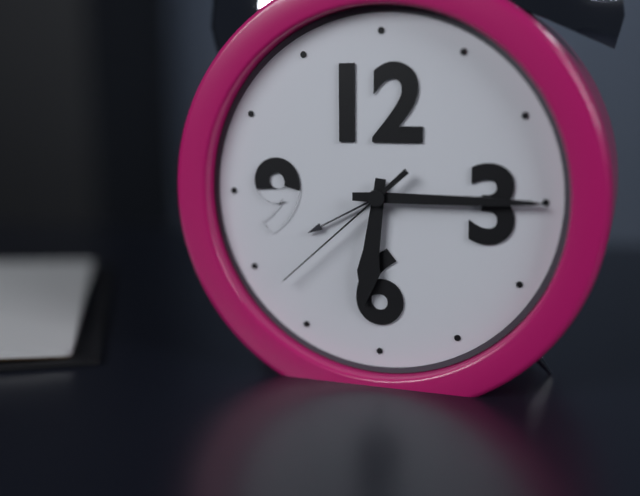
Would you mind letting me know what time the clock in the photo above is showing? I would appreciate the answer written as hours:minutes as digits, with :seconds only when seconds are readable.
6:15:38
